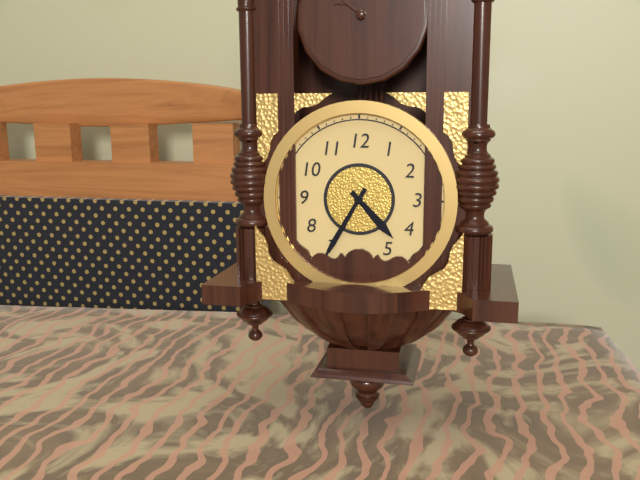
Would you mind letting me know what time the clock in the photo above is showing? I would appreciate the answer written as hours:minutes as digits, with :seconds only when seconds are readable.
4:35
